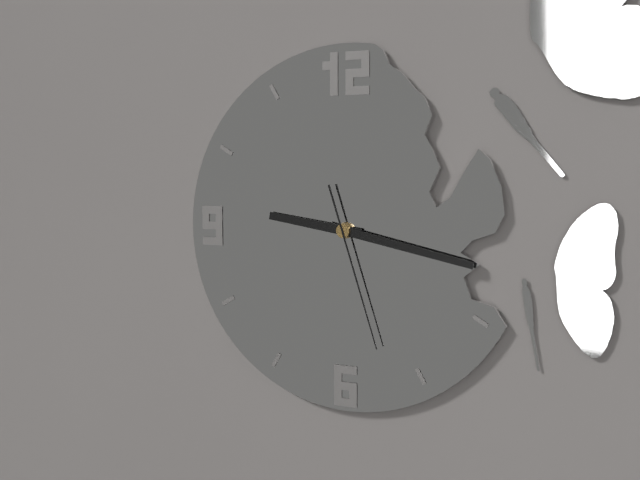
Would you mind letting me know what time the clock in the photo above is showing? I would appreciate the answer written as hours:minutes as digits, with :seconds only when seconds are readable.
9:17:27
